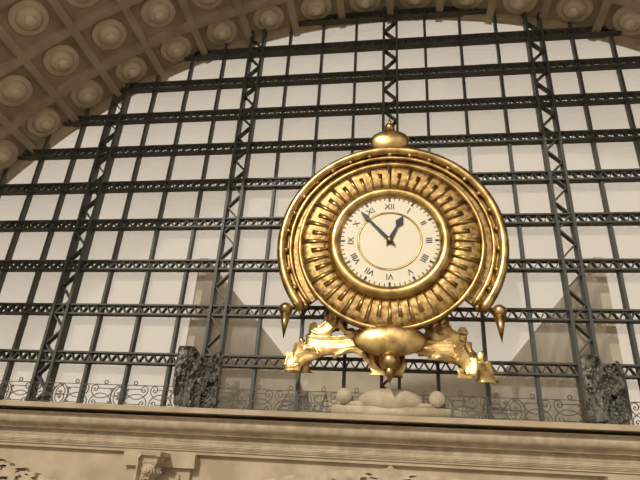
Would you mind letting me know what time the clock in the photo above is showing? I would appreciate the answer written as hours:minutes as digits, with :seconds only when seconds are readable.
12:53
